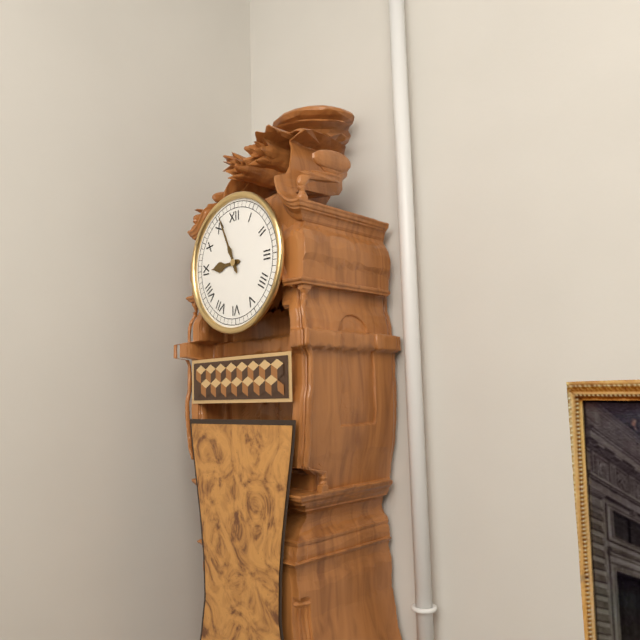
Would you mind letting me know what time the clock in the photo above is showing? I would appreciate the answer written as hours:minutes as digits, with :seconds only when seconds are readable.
8:56
